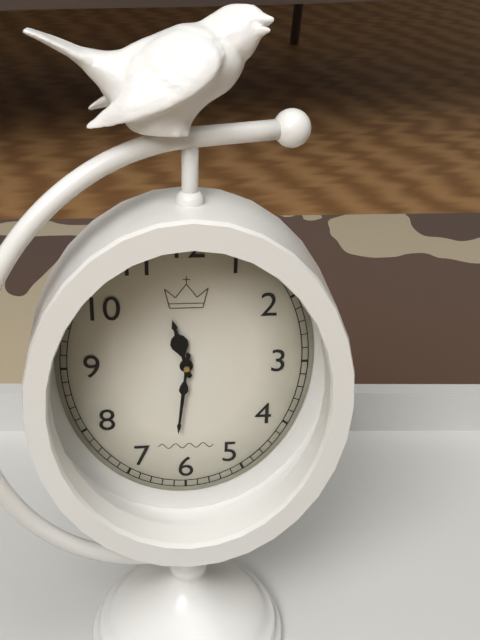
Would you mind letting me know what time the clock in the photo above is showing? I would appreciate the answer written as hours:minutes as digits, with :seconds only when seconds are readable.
11:31
